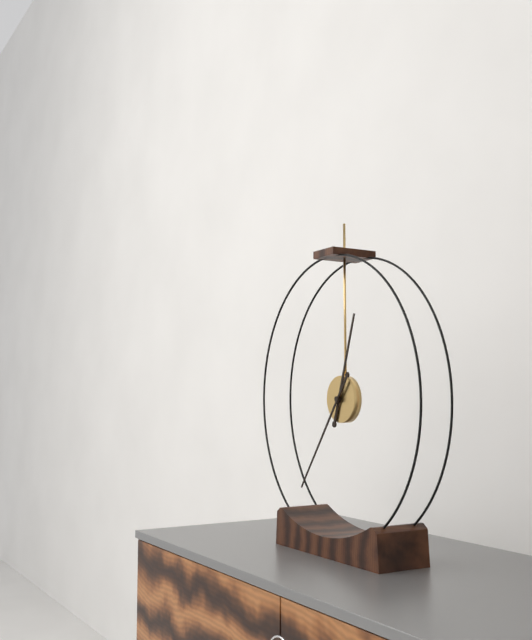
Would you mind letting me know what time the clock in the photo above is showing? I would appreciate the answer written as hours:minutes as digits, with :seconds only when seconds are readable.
12:36
